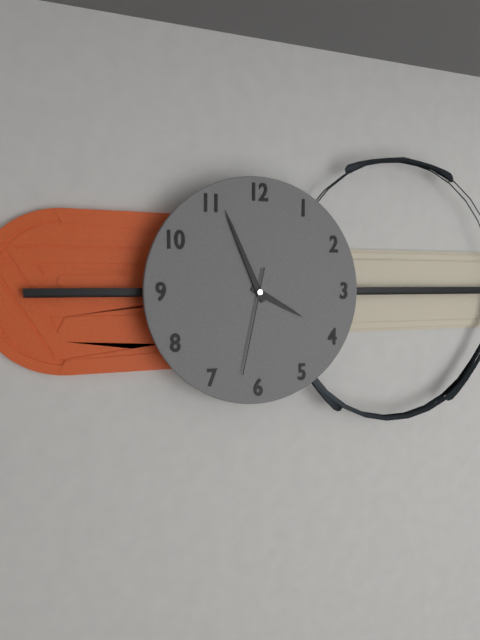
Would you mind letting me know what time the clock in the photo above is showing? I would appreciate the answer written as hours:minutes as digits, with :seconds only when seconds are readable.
3:56:32
